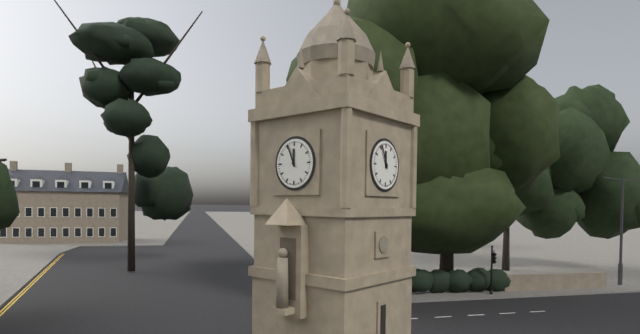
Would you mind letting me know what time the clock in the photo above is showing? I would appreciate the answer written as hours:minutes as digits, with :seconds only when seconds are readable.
11:56
